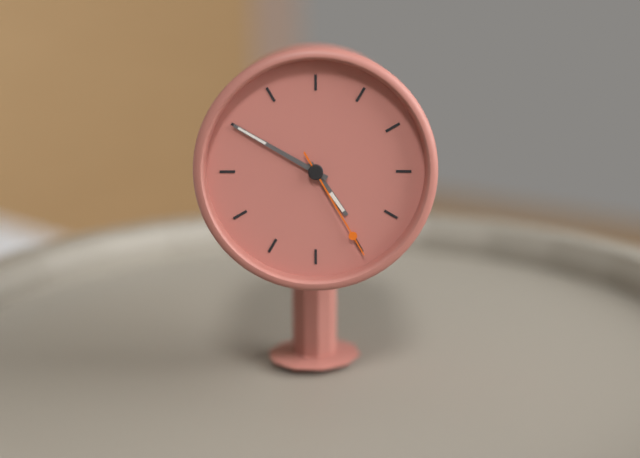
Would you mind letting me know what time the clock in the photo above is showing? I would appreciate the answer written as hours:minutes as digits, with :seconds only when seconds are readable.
4:50:25
